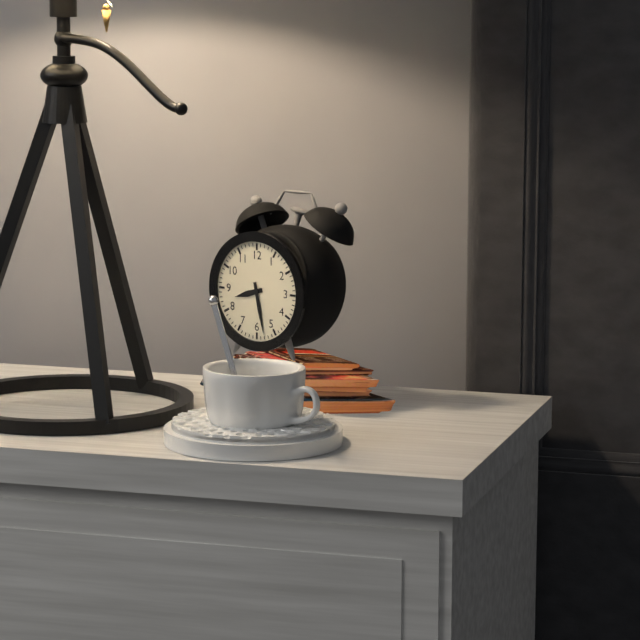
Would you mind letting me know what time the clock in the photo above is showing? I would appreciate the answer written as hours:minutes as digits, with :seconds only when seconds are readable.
8:28
